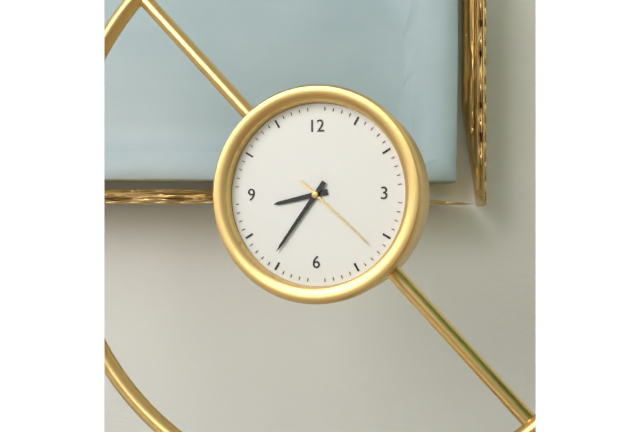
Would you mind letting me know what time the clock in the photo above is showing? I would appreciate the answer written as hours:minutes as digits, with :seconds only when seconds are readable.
8:36:22
